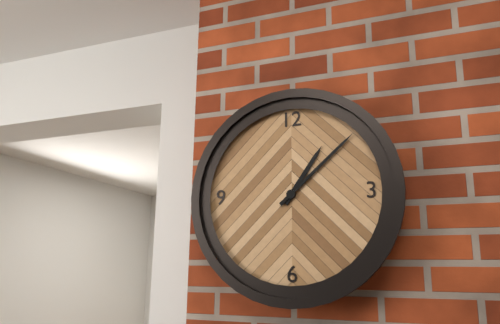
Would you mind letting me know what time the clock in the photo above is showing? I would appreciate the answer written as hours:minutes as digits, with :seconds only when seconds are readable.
1:08
